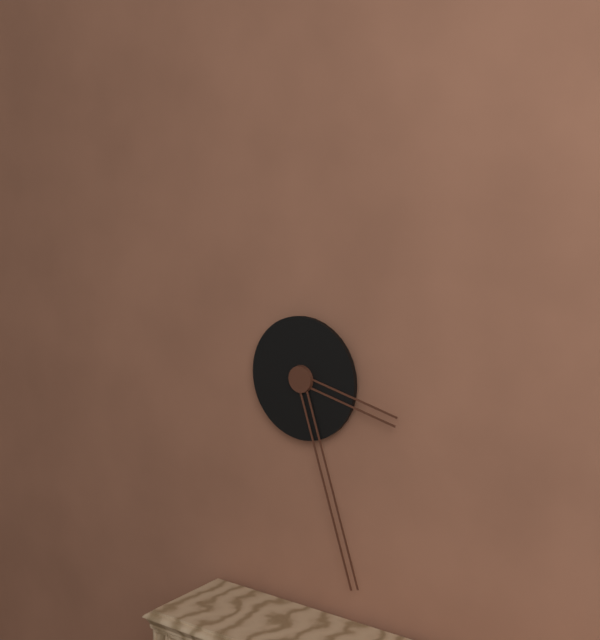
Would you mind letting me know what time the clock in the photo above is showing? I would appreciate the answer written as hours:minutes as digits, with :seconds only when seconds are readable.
3:27
